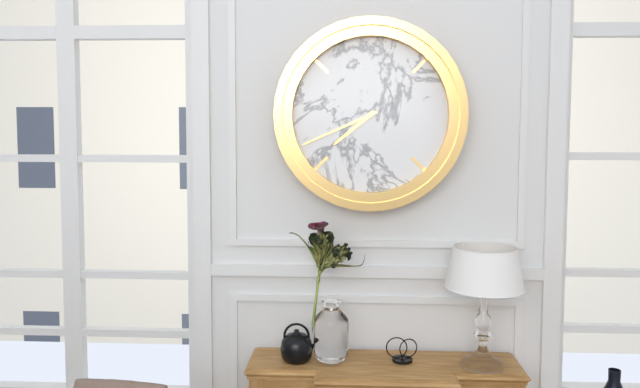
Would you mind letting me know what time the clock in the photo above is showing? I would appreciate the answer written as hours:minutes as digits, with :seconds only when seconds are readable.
7:41
